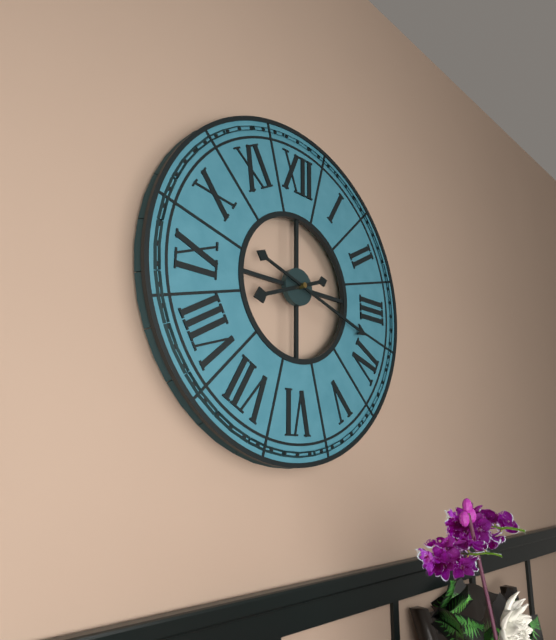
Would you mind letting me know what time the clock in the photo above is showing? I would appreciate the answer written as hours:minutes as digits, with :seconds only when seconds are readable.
8:18
